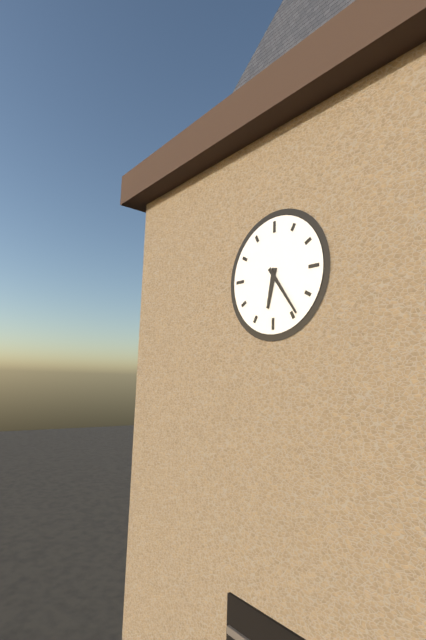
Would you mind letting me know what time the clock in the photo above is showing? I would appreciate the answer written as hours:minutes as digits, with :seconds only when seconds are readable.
6:24
